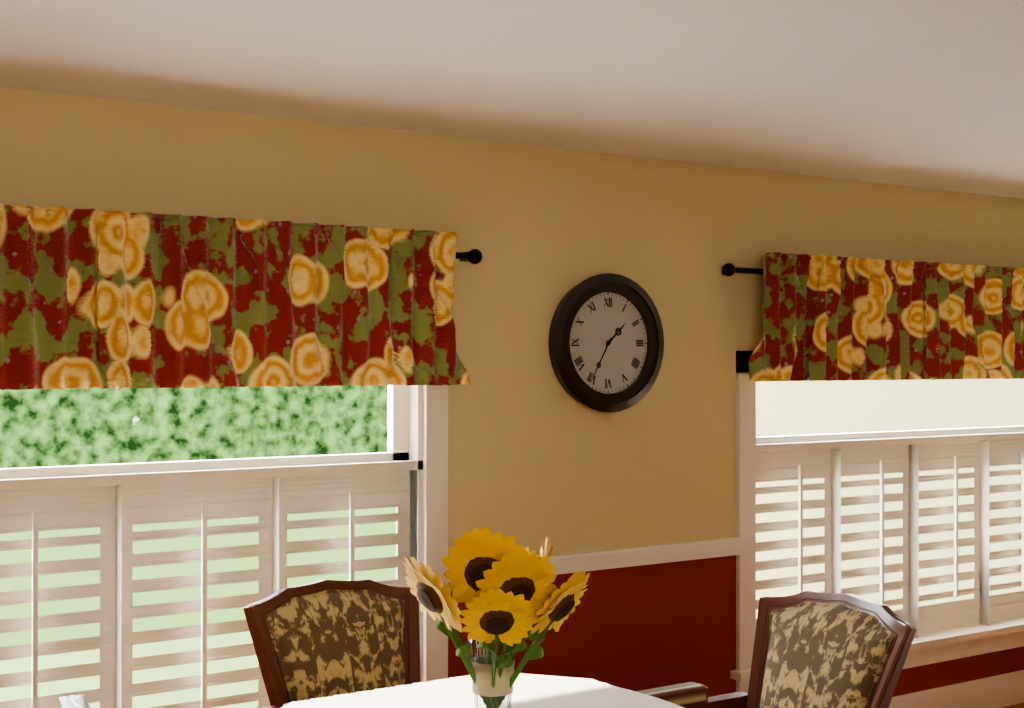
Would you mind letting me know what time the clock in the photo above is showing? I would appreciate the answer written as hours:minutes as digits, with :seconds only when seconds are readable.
1:35
